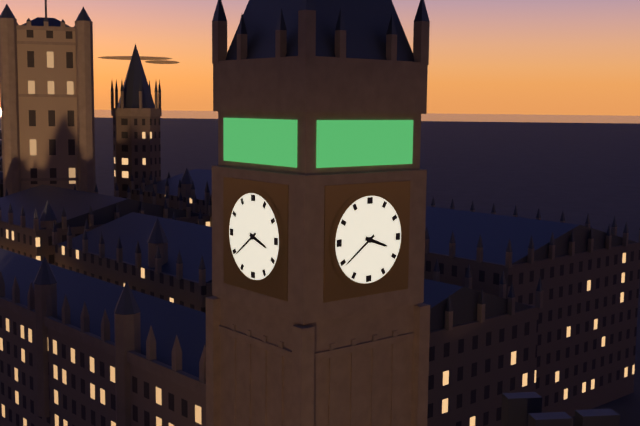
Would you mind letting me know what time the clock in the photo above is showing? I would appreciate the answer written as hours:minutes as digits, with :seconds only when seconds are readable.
3:39
